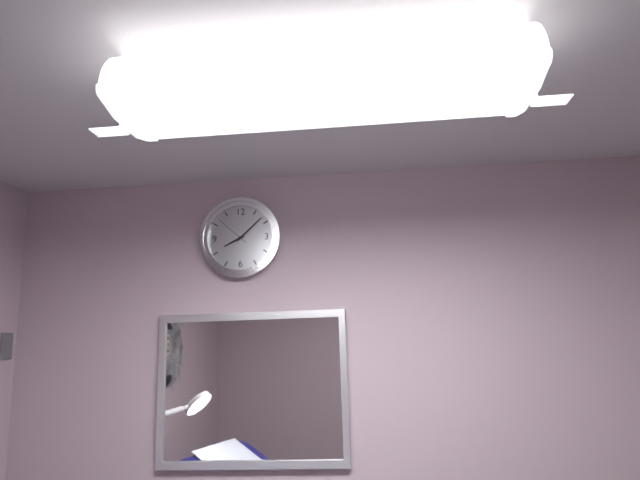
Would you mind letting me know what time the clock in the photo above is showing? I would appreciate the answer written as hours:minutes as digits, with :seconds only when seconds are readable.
8:08
